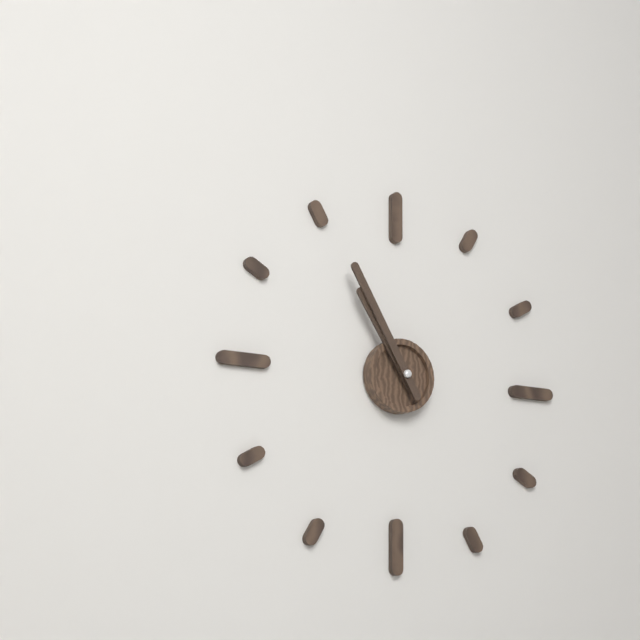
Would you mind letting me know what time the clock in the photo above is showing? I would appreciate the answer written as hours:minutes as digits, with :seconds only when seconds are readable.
10:55
